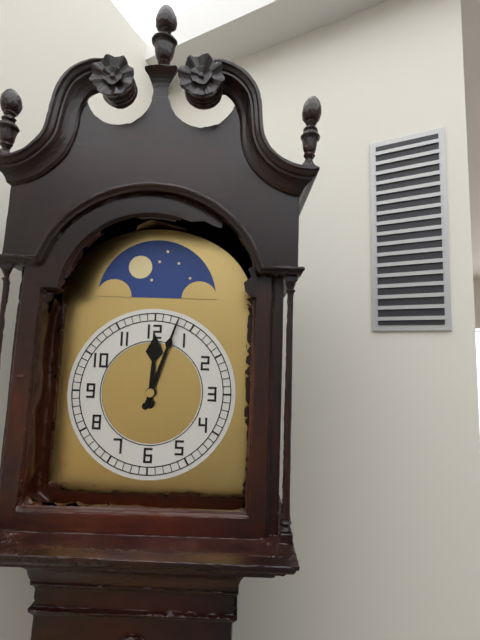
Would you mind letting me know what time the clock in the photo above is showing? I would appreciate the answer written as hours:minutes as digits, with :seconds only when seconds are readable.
12:03
